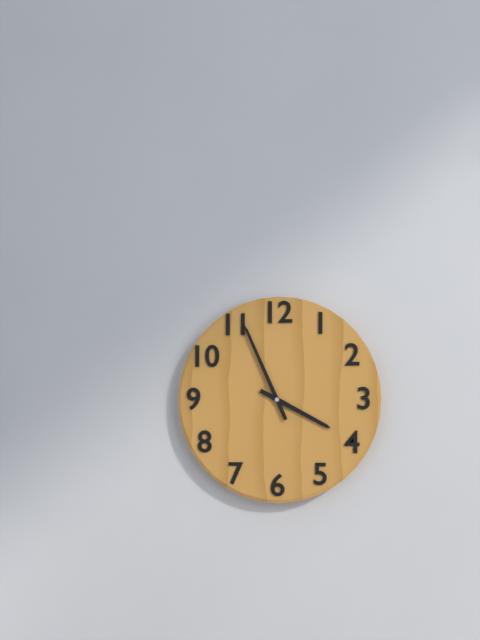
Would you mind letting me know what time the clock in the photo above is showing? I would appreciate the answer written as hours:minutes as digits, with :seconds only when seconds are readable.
3:56
